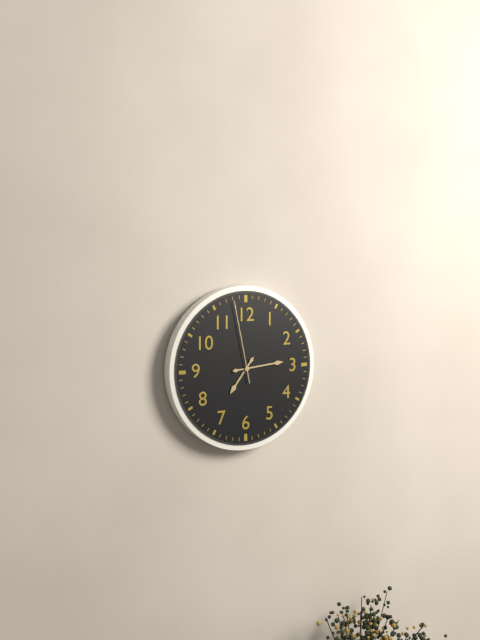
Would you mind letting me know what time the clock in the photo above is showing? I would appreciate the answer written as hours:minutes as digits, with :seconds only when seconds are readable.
7:14:58
